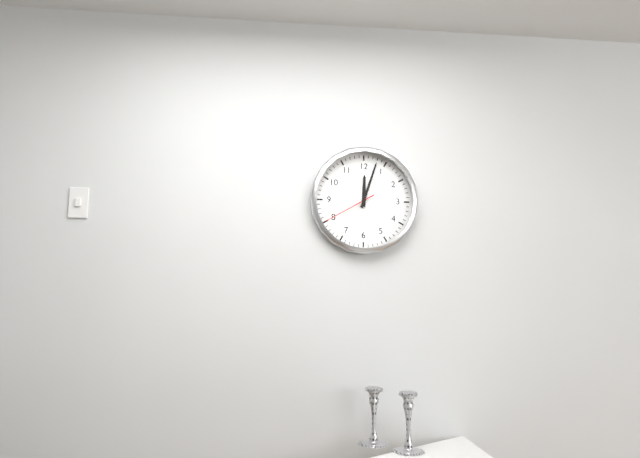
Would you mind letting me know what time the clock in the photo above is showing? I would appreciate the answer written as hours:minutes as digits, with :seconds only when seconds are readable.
12:03:40
